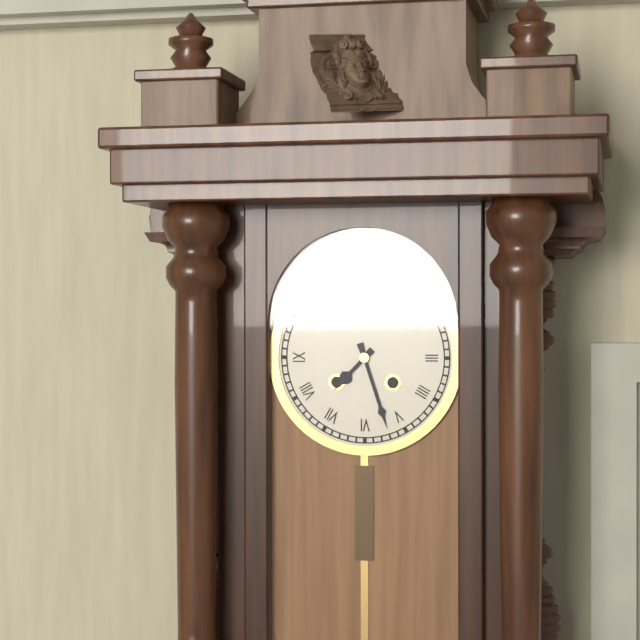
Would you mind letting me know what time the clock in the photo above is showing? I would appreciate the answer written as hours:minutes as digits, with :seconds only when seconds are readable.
7:27
